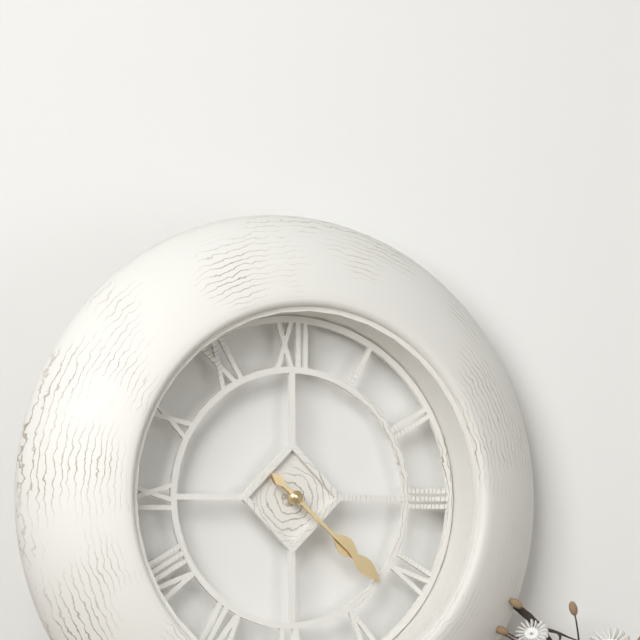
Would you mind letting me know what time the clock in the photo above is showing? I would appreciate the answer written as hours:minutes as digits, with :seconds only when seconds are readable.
4:22
